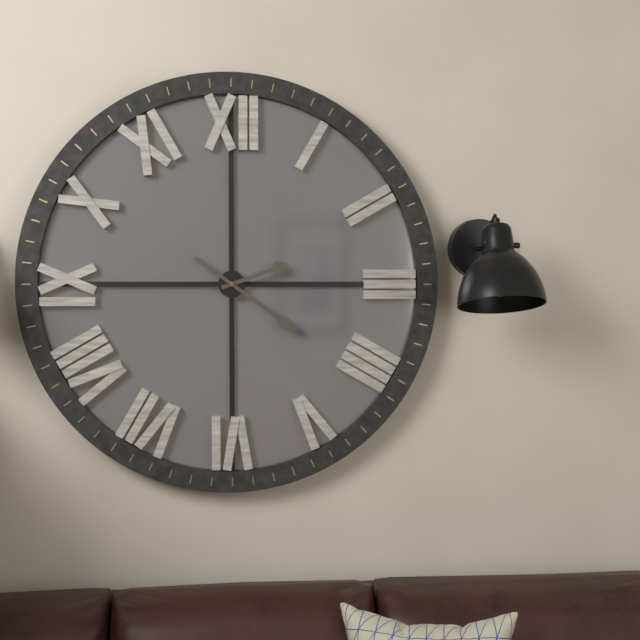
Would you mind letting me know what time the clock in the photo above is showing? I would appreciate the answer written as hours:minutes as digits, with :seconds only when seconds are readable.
2:21
